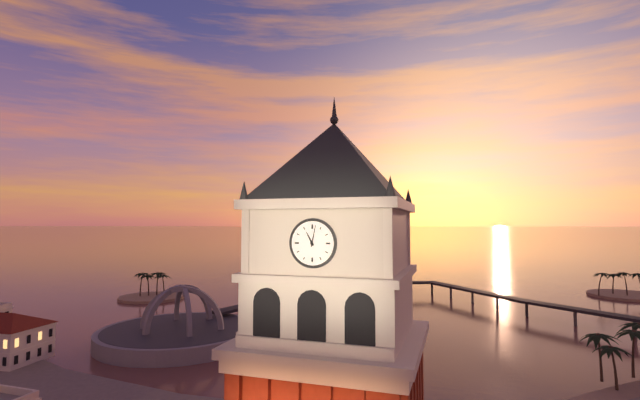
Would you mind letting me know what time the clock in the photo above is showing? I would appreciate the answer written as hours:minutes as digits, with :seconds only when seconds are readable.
11:02
